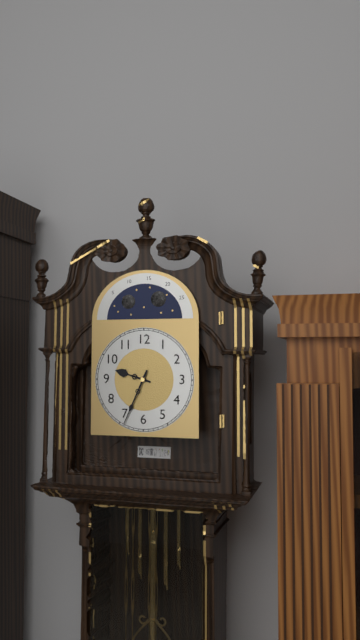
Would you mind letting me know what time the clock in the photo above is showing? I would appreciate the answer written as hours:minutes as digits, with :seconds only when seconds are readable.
9:34
